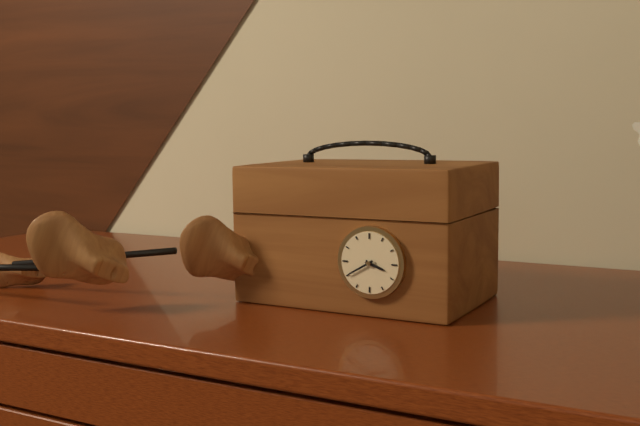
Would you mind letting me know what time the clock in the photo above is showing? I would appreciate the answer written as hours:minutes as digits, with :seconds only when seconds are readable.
3:40
